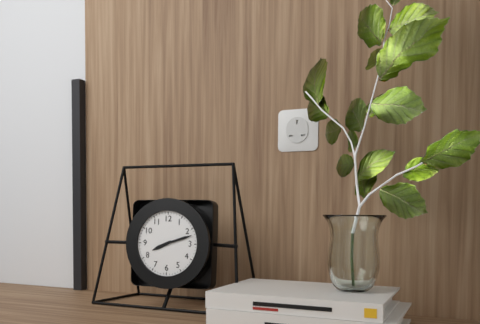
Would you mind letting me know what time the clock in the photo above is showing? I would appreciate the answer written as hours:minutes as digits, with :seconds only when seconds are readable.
8:12
